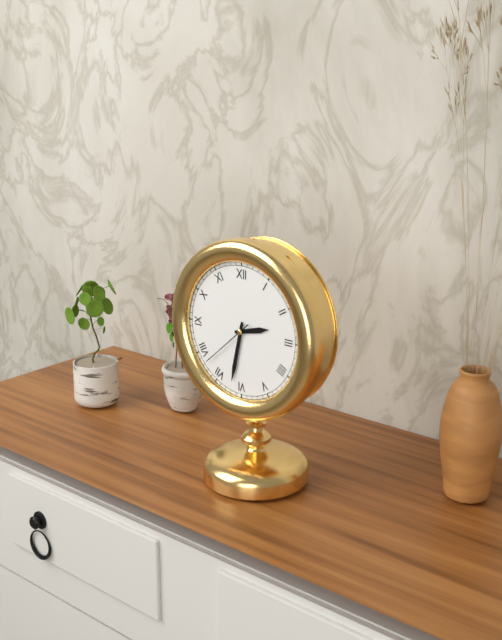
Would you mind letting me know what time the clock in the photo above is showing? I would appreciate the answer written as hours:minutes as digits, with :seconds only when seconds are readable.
2:32:38
